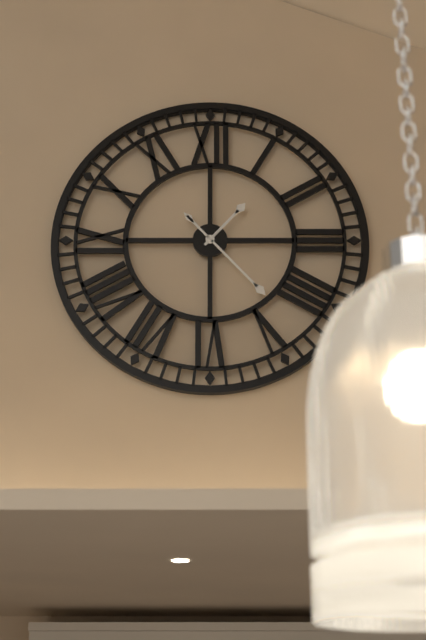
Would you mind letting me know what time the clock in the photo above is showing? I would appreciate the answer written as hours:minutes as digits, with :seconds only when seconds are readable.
1:23
